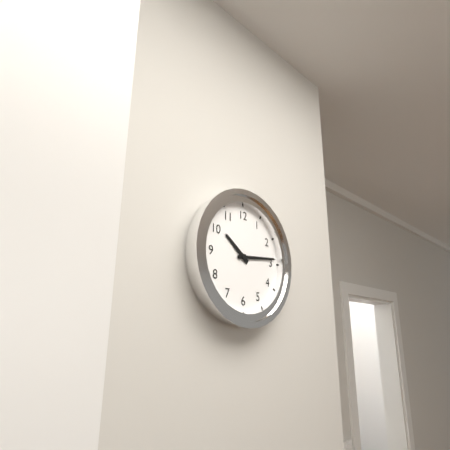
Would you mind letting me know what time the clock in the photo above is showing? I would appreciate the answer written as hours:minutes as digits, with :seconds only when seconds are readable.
10:14
